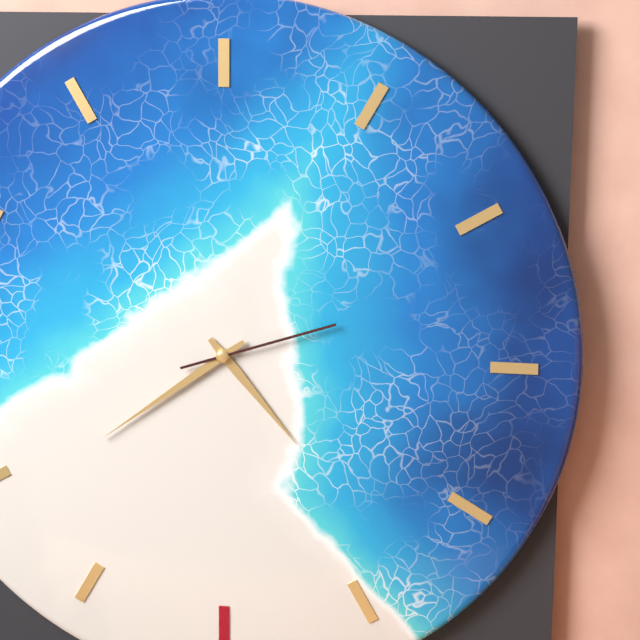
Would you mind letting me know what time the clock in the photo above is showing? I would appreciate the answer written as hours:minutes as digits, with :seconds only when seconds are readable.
4:39:12
